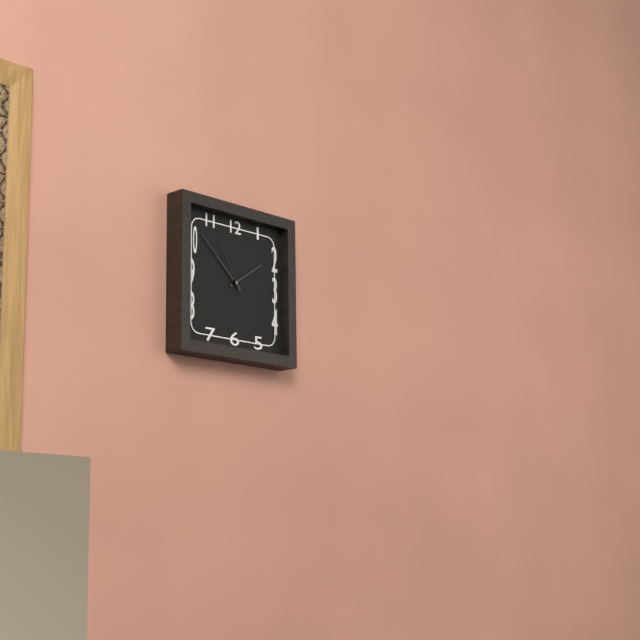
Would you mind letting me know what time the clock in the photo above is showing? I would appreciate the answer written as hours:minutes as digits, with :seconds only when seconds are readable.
1:52:55
